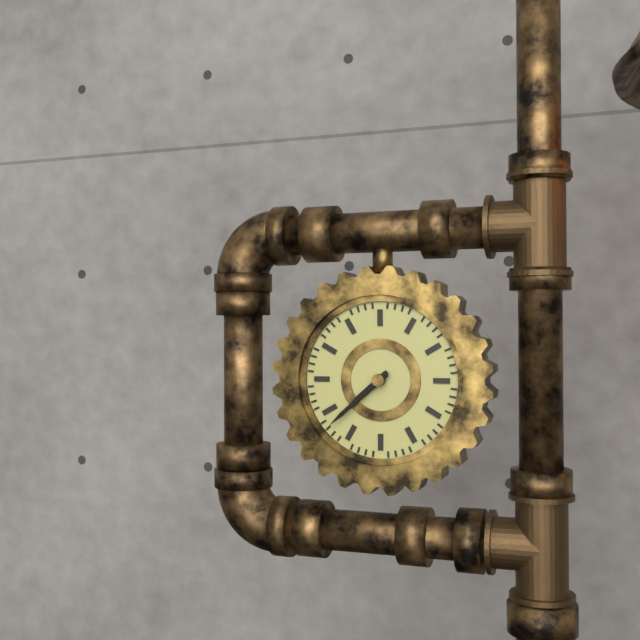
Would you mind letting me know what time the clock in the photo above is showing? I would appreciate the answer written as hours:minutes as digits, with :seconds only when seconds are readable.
7:38
